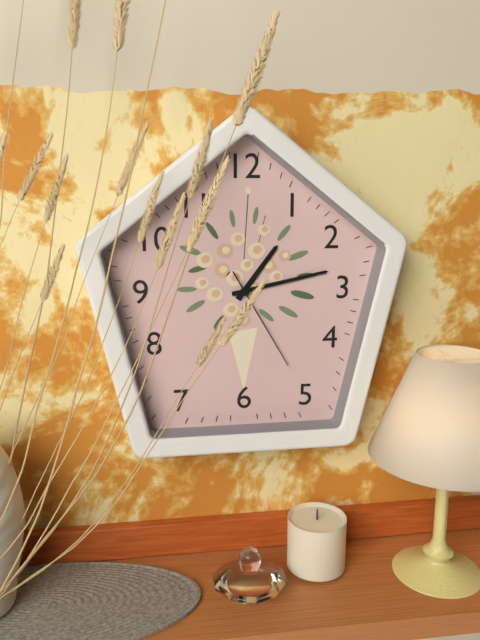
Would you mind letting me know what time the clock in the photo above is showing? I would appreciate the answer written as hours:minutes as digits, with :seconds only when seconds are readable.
1:13:25
